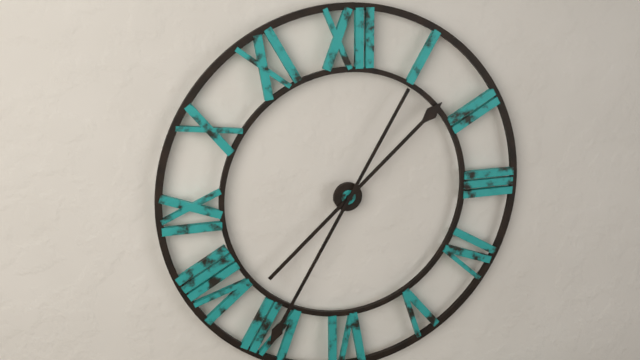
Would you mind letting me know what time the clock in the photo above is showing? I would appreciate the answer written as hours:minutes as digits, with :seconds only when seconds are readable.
1:35
